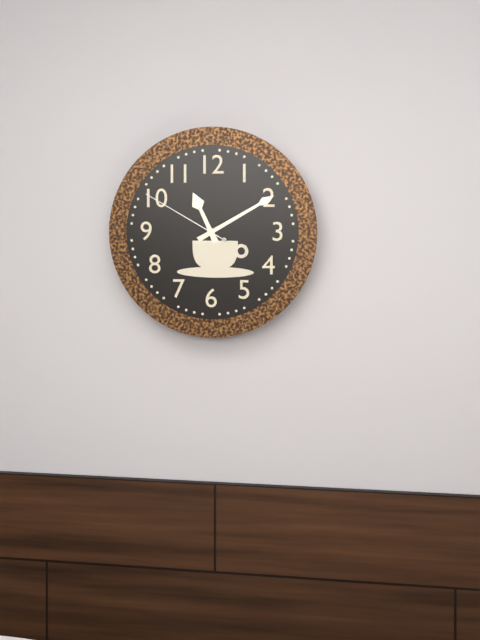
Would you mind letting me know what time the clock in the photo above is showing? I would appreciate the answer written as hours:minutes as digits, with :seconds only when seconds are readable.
11:10:50
